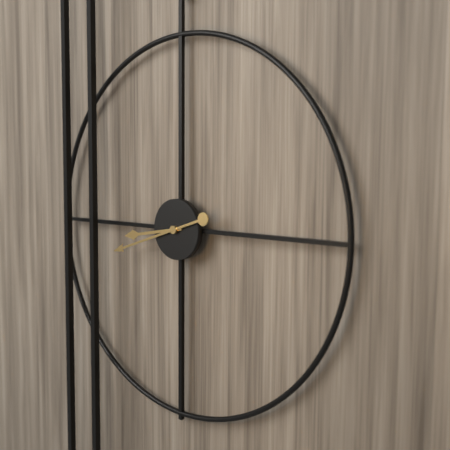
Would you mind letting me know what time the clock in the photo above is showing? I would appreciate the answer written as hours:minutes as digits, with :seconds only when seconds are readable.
8:42
